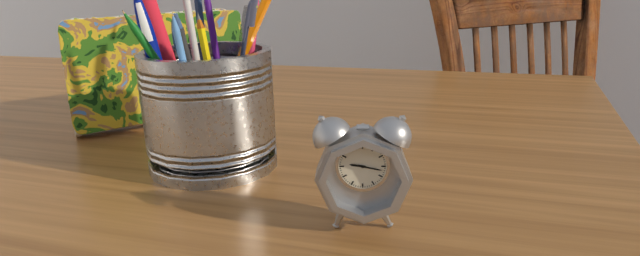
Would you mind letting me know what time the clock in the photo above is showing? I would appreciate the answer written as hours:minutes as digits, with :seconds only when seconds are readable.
9:17
